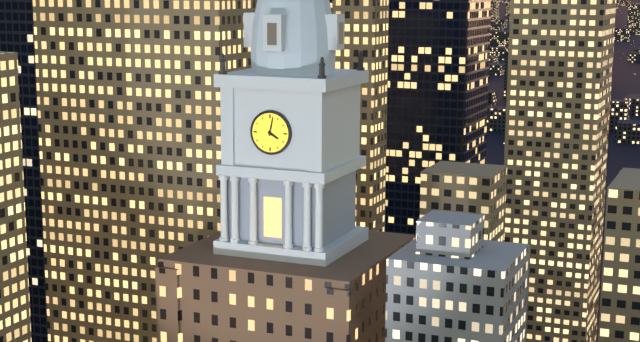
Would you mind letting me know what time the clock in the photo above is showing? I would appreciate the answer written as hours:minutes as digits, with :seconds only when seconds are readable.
4:02
